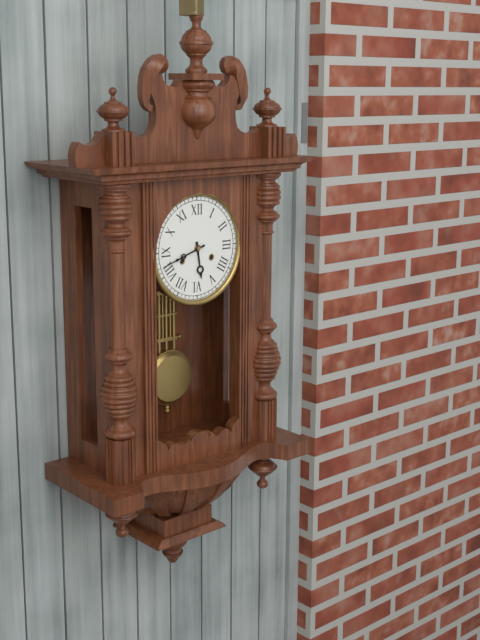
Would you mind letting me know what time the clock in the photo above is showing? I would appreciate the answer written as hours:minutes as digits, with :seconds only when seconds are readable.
5:42
